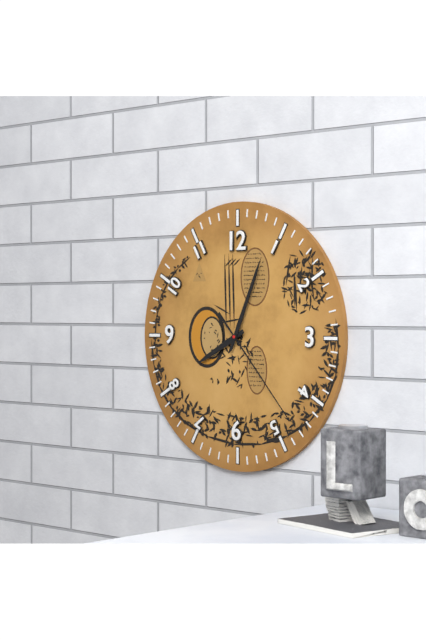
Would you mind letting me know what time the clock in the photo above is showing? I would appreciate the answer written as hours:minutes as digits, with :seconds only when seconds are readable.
8:04:23
